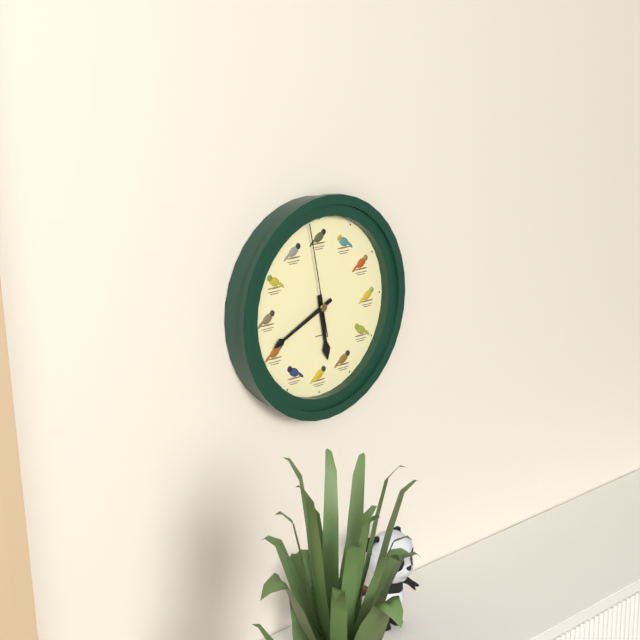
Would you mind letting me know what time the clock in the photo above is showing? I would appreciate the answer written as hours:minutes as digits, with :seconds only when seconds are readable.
5:41:58
